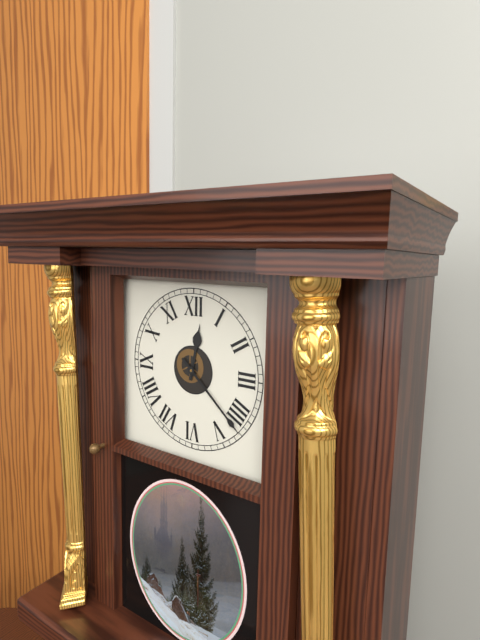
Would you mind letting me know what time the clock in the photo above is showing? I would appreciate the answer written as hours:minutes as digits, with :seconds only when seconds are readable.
12:22
